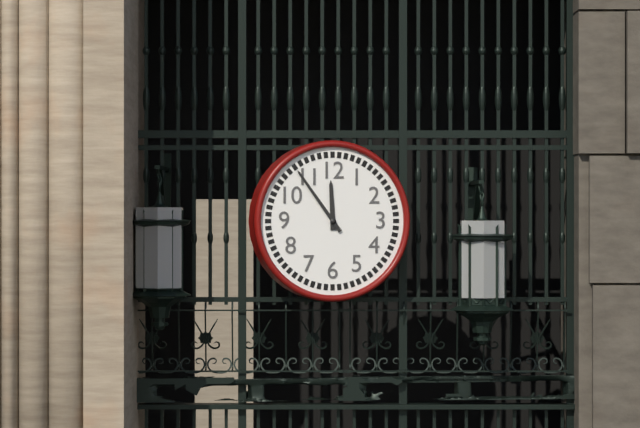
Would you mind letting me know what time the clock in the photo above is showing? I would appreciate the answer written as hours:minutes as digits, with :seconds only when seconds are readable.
11:54
